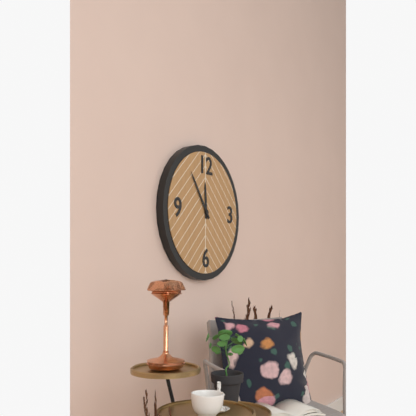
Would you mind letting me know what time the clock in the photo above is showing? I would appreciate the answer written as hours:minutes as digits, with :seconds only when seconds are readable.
11:54
